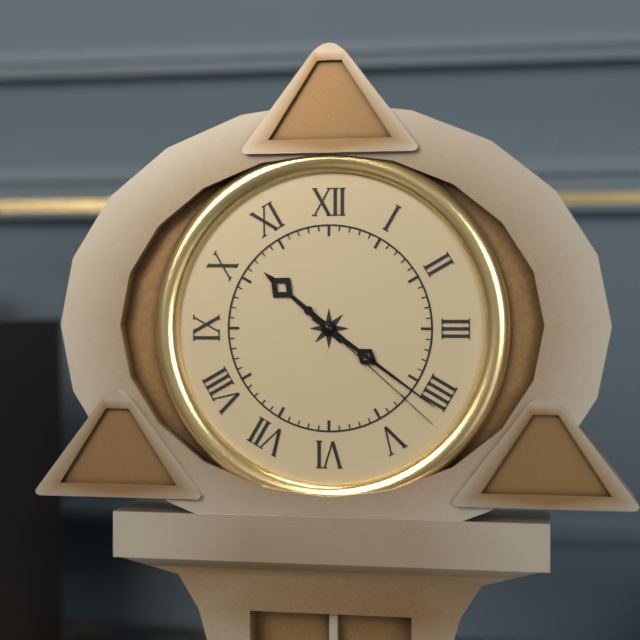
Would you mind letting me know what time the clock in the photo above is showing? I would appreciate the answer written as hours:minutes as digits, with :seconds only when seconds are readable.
10:21:22
